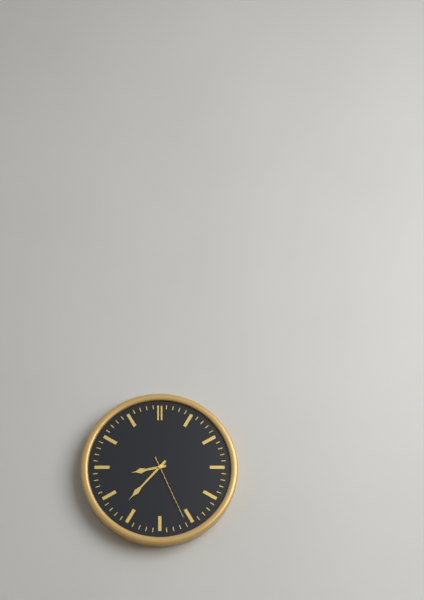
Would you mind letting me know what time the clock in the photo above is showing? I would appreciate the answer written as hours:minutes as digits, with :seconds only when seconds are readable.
8:37:26
